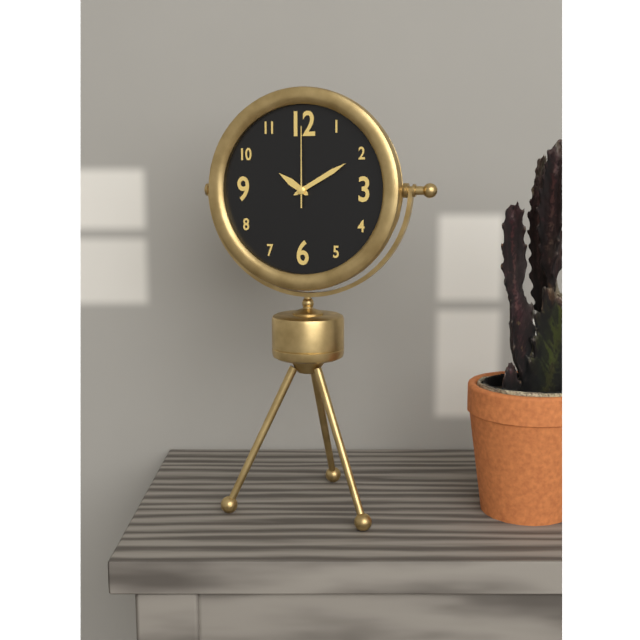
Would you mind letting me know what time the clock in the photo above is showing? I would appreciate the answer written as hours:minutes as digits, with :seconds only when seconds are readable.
10:10:00
